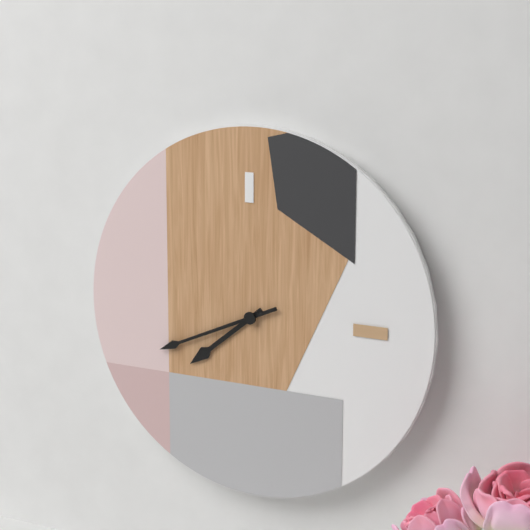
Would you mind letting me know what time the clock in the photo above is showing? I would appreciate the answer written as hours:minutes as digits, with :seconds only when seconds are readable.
7:41
